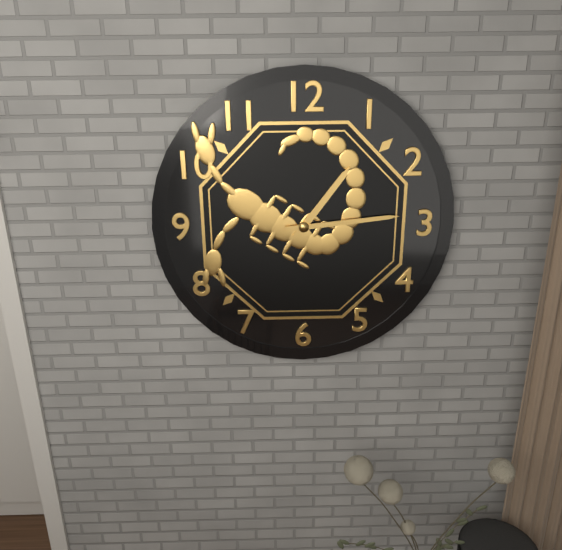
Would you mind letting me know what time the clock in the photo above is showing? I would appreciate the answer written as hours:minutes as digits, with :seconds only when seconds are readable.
1:14
